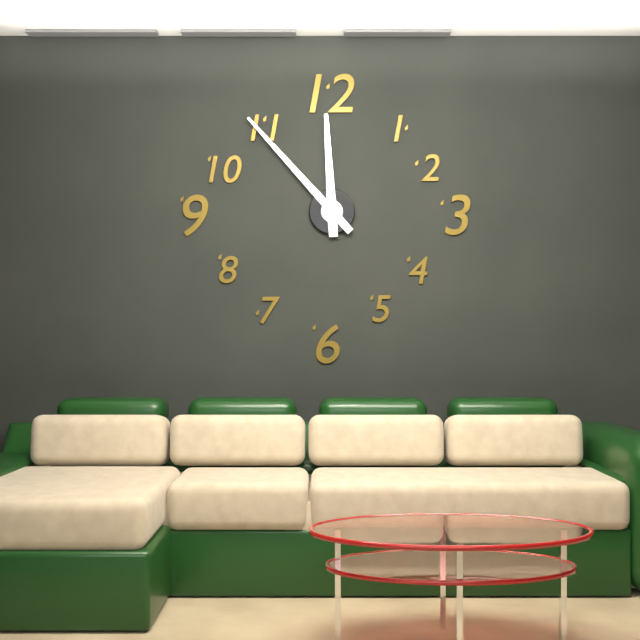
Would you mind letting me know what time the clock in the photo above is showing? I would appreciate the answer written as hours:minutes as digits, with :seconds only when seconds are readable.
11:53
